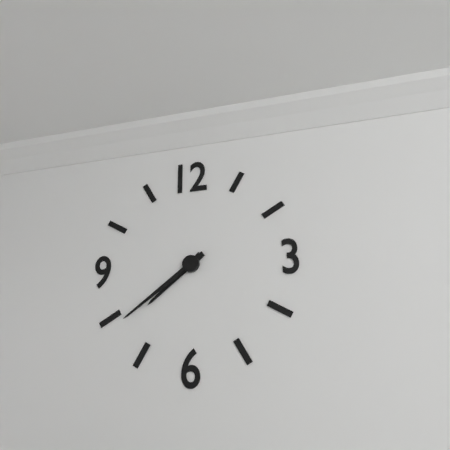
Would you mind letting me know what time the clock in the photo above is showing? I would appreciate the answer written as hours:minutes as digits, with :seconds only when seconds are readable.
7:39
